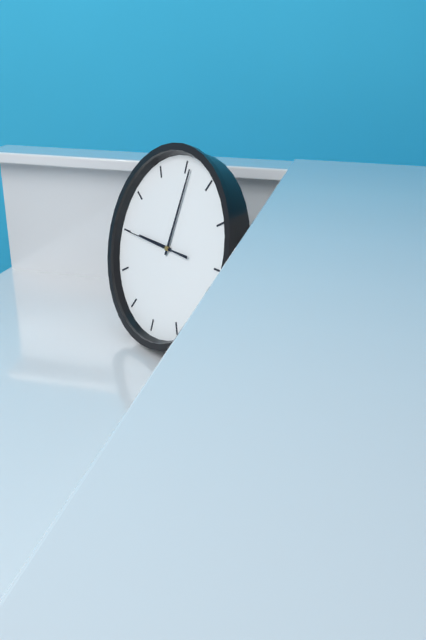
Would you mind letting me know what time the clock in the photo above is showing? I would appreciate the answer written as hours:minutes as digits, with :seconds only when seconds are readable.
9:01:45
